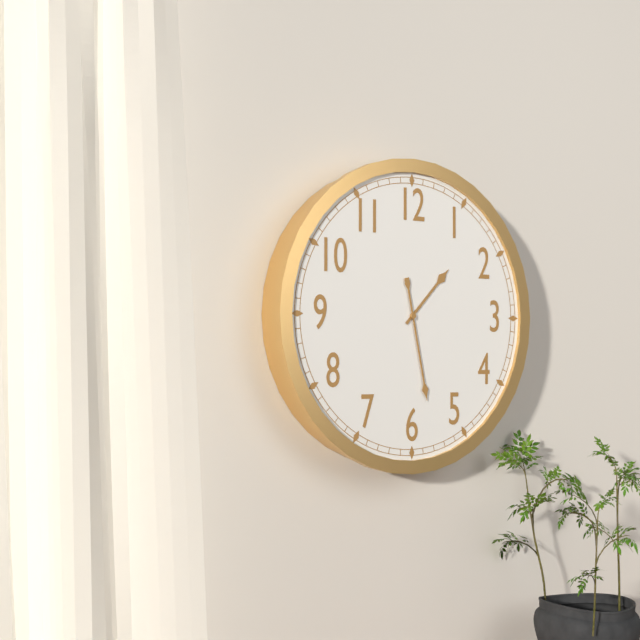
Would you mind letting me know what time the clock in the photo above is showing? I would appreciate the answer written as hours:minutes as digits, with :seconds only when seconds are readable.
1:28
